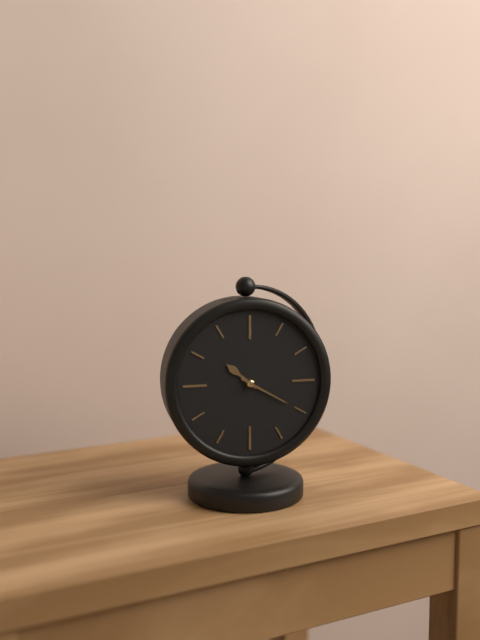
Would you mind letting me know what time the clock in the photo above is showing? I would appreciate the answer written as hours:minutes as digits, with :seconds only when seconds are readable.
10:20
